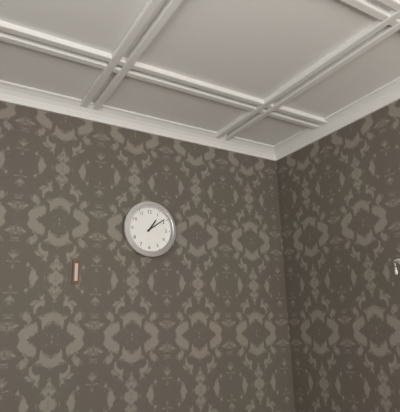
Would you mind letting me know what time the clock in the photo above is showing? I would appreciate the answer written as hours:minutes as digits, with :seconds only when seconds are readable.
1:09
